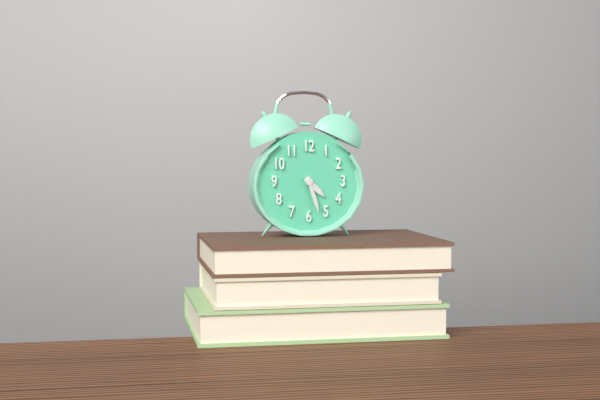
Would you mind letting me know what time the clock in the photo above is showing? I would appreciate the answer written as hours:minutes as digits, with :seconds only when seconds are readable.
4:27
